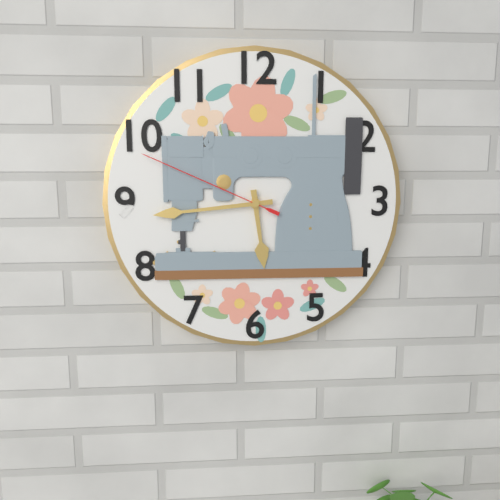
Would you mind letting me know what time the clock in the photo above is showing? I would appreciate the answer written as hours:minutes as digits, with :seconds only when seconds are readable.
5:44:49
